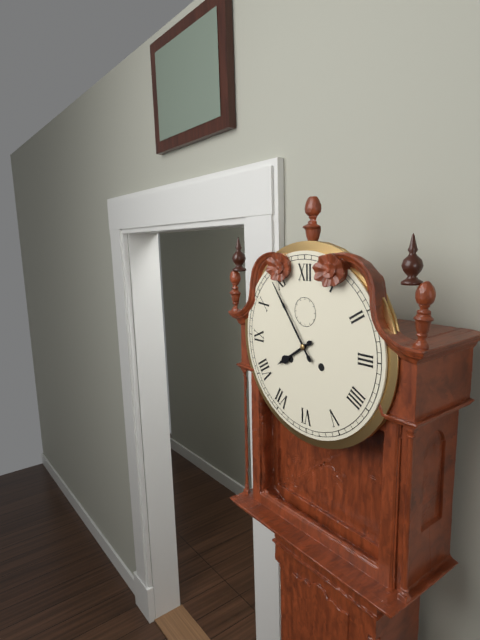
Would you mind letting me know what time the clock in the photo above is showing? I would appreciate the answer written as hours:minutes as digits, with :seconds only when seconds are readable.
7:54
